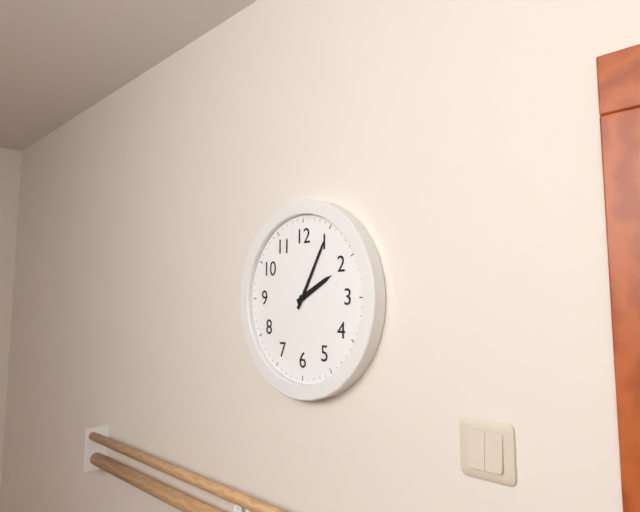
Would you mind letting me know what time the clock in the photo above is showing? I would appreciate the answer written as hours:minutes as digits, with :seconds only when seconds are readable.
2:05
